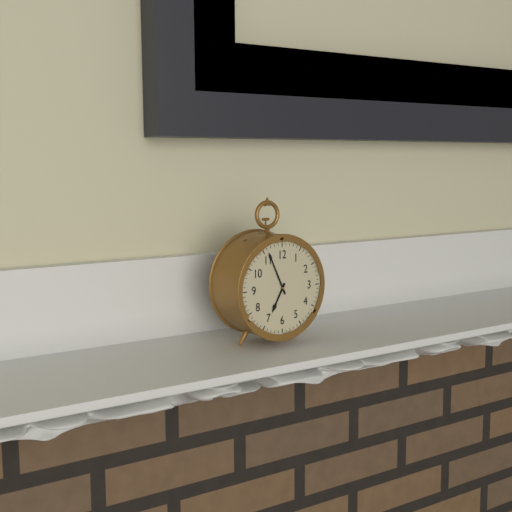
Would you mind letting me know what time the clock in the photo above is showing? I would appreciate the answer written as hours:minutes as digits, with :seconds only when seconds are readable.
6:56
